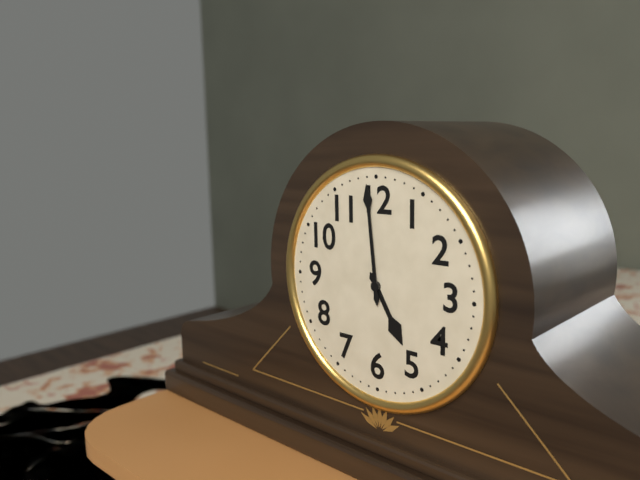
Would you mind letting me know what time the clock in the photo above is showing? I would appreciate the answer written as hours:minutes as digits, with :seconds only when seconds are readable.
4:59
